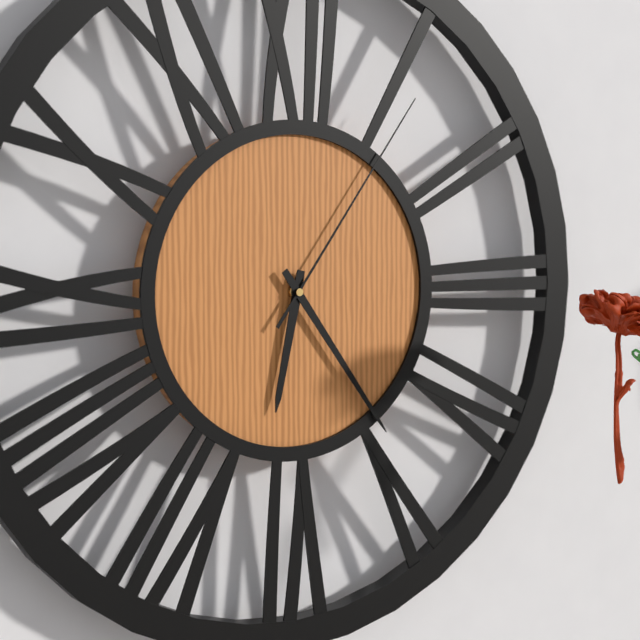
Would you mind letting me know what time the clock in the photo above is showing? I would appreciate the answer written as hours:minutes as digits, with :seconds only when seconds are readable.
6:24:06
